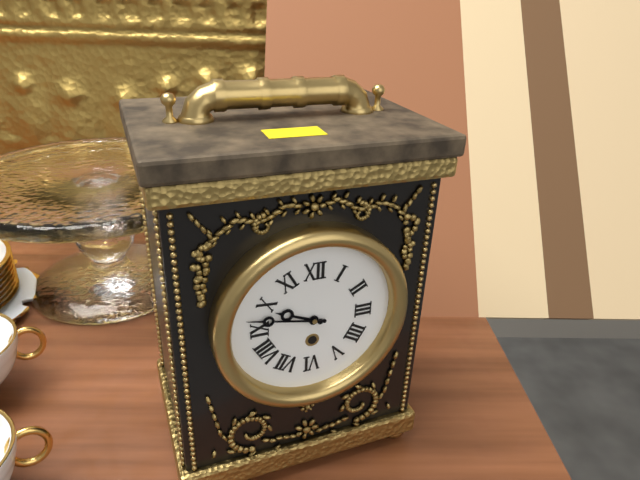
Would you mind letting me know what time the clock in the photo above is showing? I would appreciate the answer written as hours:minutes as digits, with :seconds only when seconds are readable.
9:47
